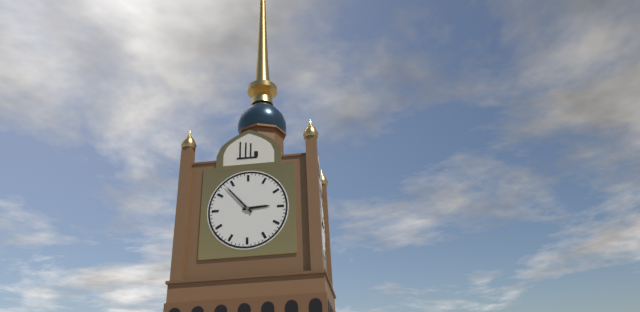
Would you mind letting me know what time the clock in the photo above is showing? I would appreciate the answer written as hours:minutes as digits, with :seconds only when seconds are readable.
2:53
